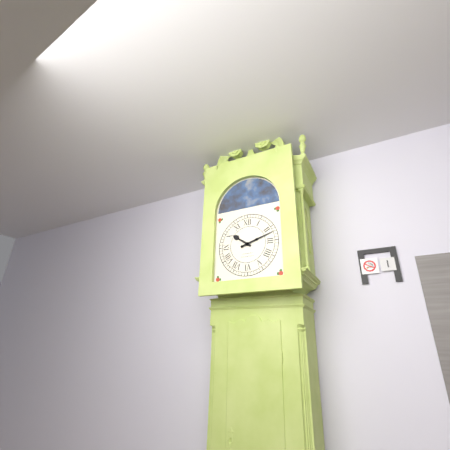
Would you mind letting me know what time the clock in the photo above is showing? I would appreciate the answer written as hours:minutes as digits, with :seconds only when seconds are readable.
10:12
